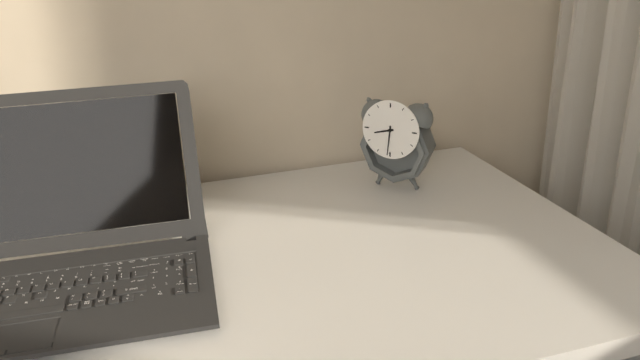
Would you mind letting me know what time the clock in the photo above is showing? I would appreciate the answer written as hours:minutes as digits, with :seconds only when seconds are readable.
8:31
